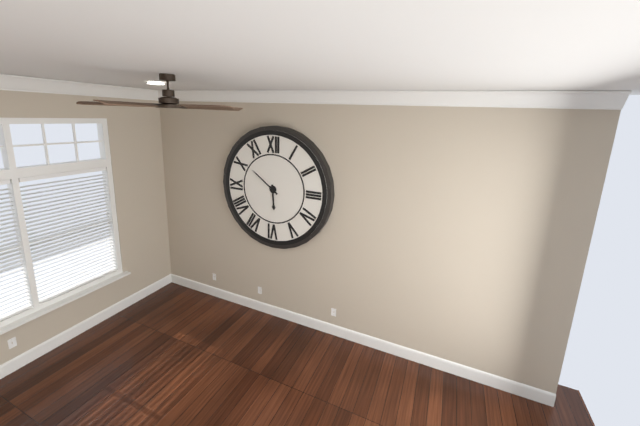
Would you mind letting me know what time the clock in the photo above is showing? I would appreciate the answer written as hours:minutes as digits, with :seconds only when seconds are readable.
5:51
